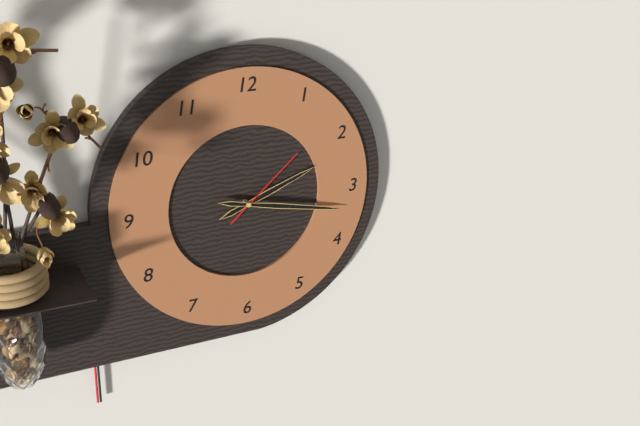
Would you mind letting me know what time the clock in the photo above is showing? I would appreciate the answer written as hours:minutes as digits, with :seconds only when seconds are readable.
2:17:08
